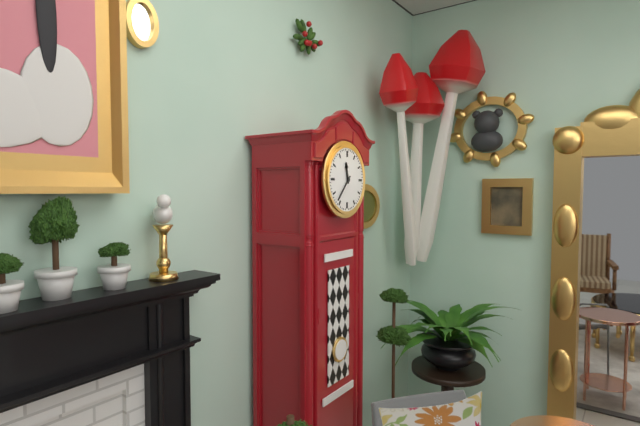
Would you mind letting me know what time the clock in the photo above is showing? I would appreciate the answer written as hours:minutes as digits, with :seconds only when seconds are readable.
11:37
